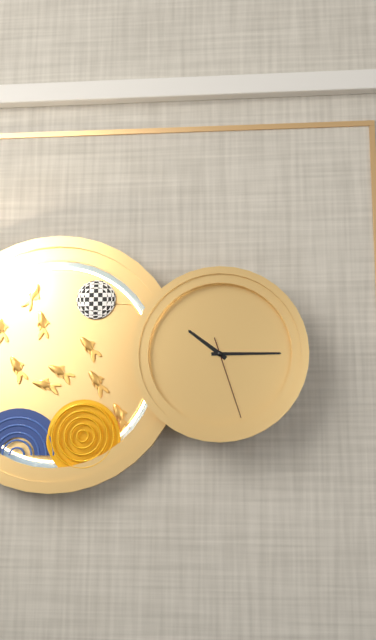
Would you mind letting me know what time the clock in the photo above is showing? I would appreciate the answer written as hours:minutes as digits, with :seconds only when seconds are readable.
10:15:27
